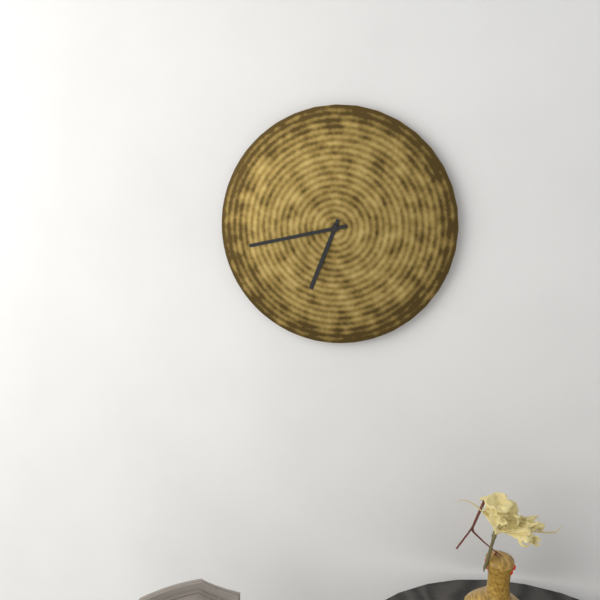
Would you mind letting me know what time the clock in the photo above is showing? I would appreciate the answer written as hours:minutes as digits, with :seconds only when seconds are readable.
6:43
